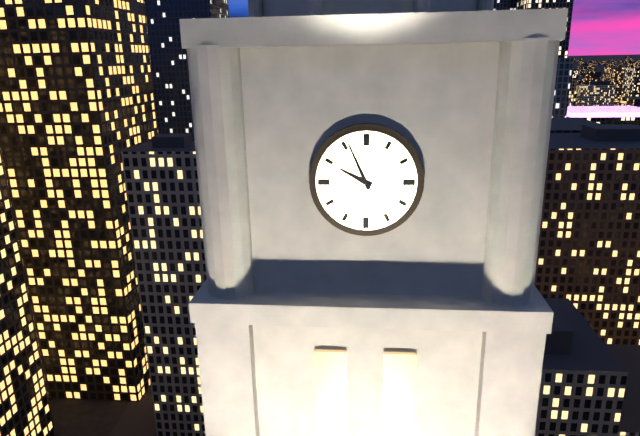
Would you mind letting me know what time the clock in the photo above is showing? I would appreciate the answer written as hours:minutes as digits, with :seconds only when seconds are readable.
9:56
